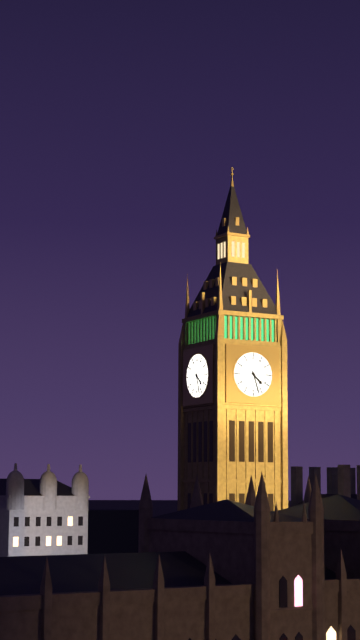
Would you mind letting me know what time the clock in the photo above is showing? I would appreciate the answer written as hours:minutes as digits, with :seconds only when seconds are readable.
4:27
